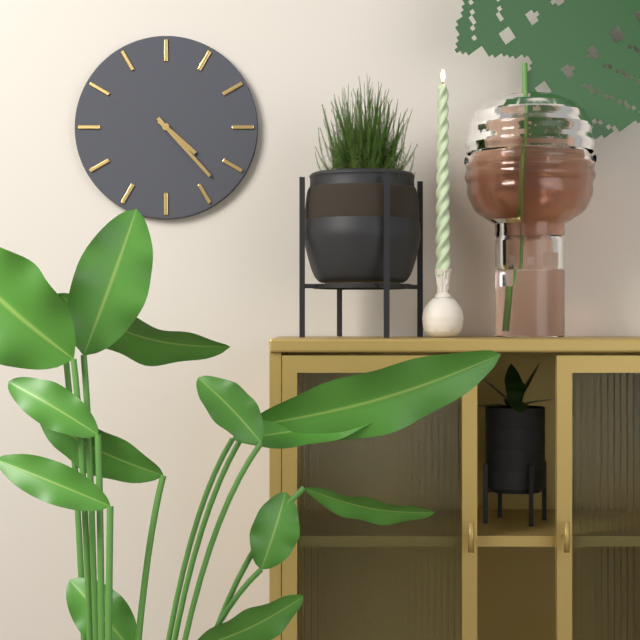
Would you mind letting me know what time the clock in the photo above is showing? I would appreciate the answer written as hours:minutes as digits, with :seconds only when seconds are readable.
4:23
